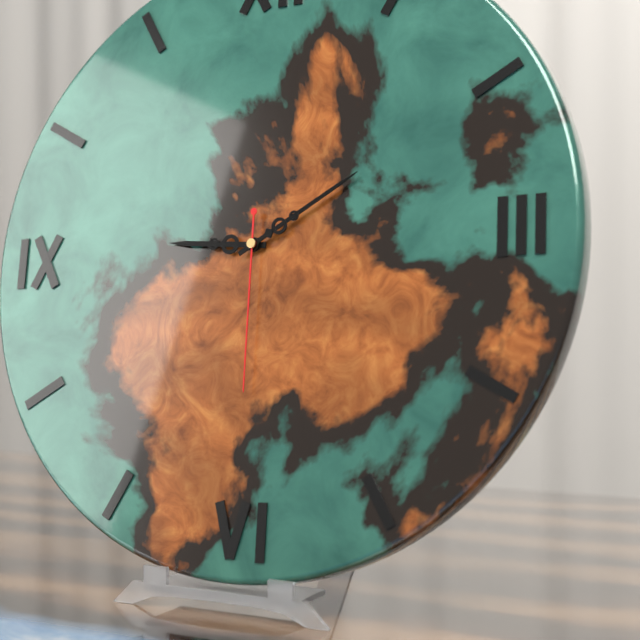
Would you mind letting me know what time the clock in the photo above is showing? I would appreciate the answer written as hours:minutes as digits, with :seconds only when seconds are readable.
9:10:30
